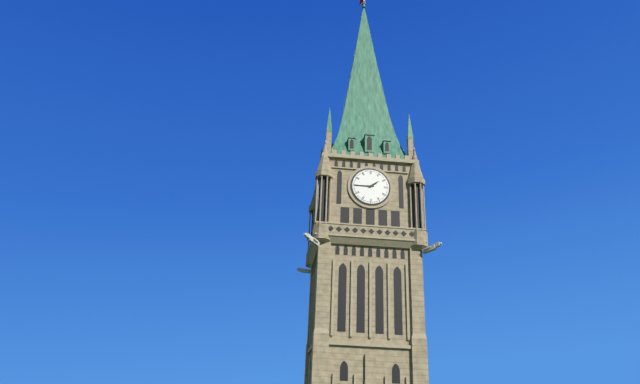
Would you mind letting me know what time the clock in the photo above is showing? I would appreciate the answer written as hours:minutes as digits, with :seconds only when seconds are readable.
1:45
